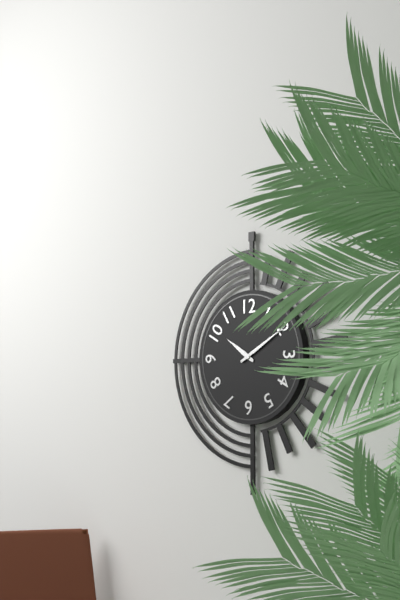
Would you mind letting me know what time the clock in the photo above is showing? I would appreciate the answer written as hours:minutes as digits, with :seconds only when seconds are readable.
10:10
